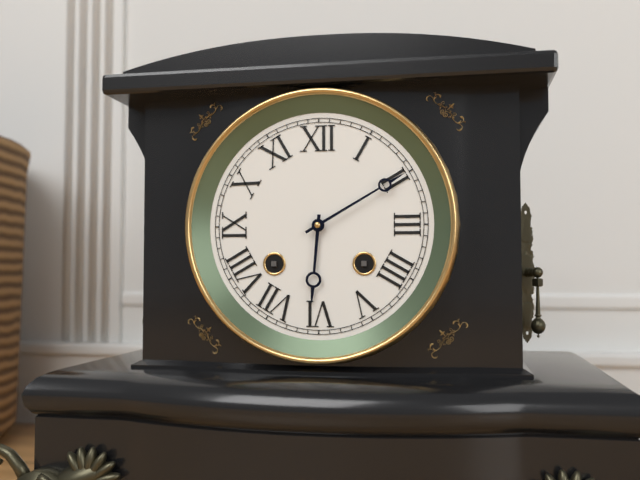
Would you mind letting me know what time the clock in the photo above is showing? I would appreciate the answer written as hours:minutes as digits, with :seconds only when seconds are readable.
6:10
